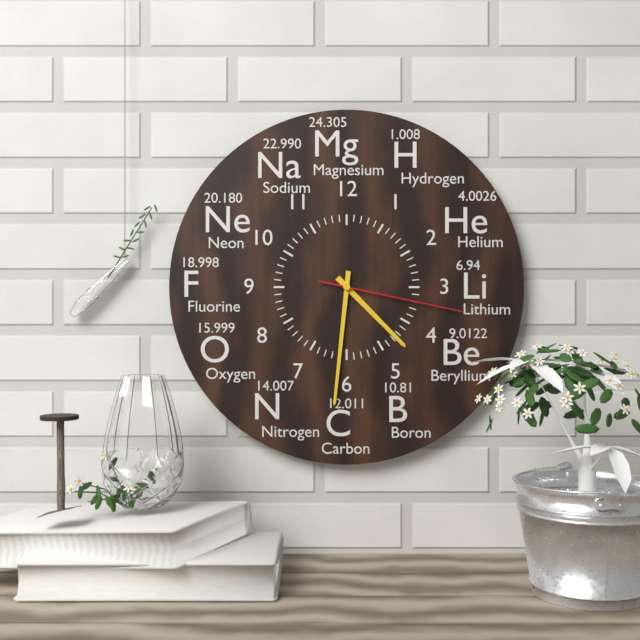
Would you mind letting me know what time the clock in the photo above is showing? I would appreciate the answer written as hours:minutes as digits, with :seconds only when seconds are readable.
4:31:17
